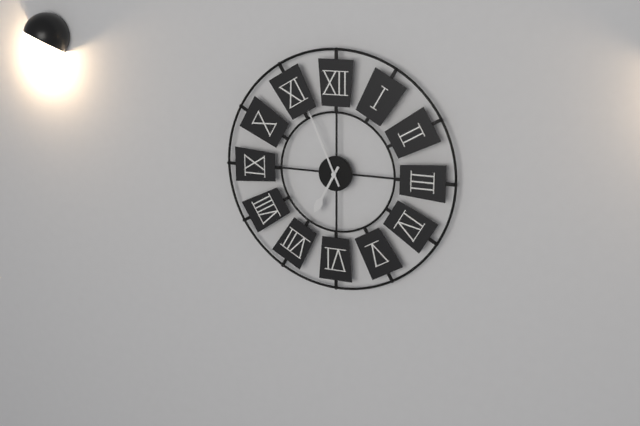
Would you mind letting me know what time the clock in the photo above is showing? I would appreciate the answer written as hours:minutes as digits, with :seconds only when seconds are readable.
6:56
